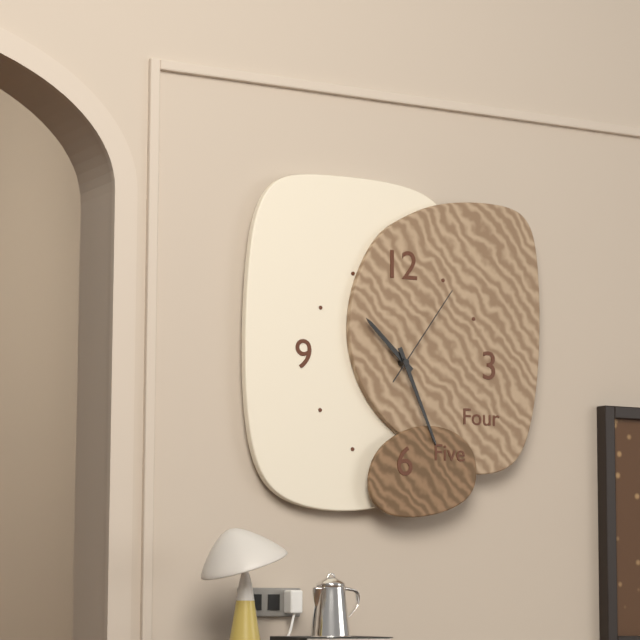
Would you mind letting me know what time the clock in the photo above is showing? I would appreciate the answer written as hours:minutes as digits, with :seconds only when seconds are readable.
10:26:06
